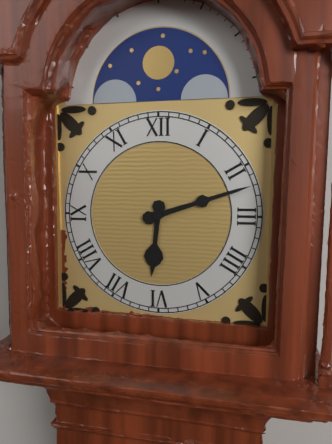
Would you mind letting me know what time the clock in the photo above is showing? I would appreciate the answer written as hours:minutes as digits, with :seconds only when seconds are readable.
6:12
